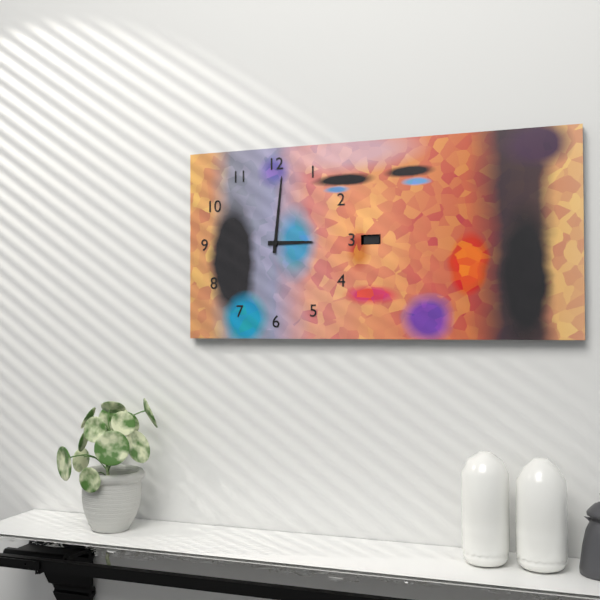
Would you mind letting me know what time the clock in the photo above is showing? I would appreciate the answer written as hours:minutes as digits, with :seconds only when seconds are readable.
3:01
